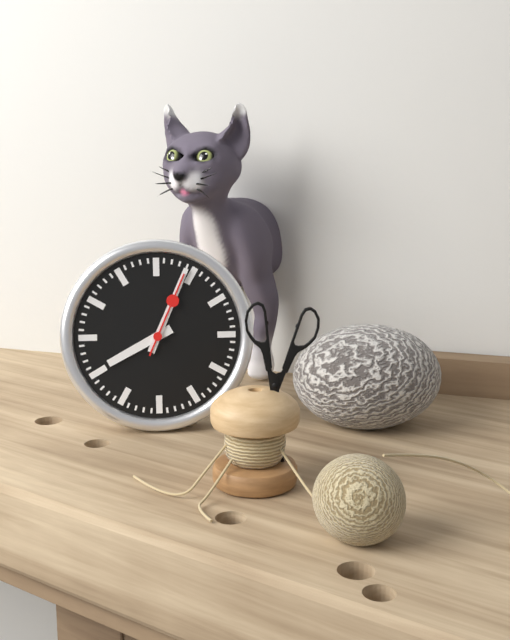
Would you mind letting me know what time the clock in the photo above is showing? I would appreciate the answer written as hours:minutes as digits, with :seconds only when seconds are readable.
8:04:04
